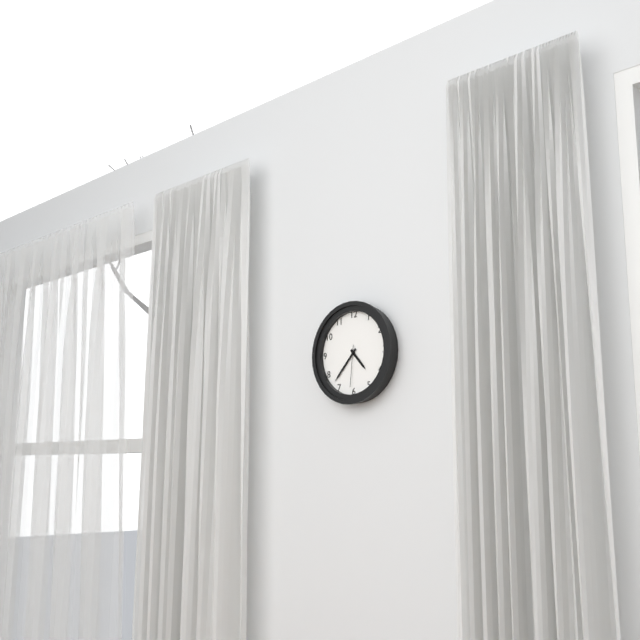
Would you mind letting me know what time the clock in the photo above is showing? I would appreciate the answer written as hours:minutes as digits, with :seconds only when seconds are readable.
4:37
